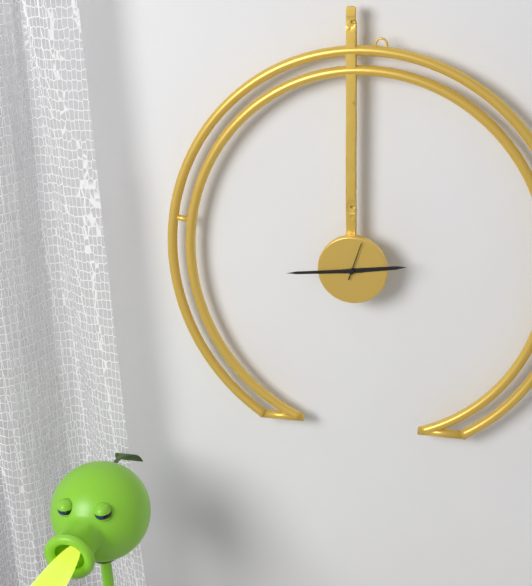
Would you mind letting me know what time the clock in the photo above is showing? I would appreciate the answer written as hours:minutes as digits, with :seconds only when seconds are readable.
2:44
